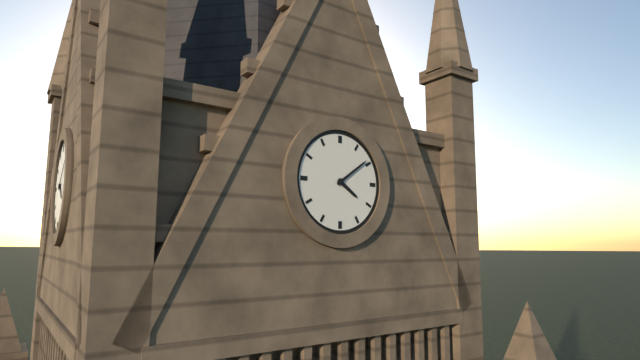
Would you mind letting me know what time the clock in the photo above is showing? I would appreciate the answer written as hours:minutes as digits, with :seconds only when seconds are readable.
4:09
